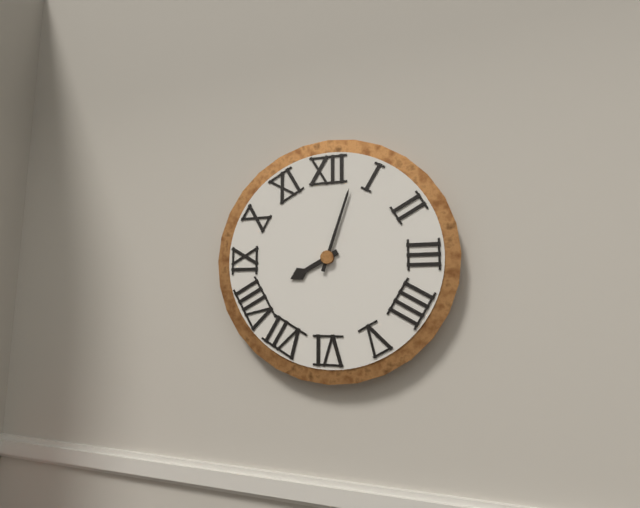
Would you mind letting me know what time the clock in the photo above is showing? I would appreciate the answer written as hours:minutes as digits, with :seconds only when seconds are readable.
8:03
